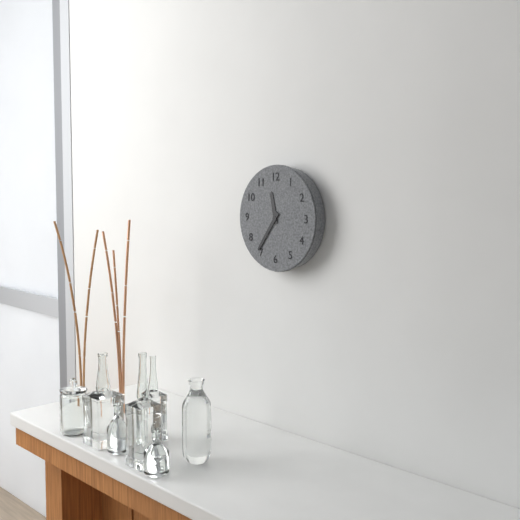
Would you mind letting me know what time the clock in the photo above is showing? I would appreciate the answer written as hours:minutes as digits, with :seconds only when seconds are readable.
11:36
